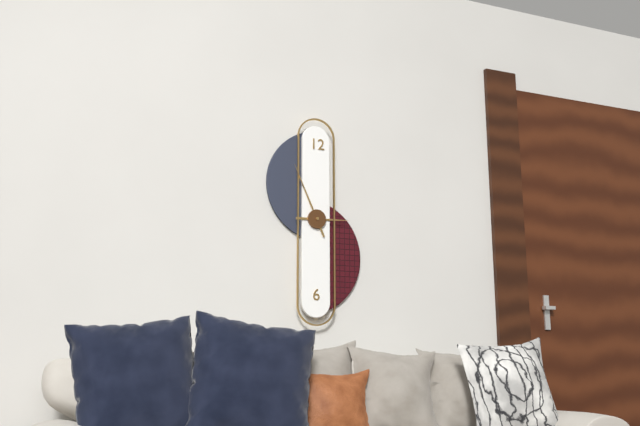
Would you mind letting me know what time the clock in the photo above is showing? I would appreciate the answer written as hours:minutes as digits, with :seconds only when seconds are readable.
2:56
